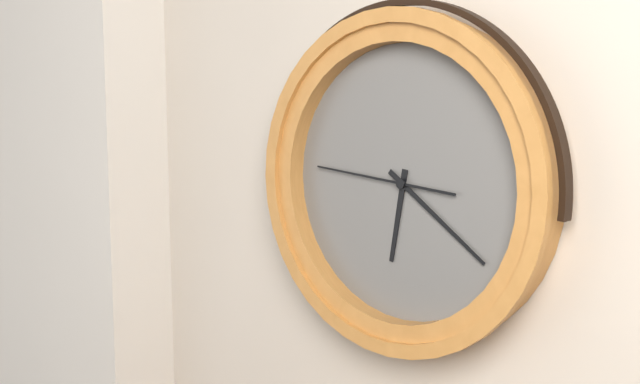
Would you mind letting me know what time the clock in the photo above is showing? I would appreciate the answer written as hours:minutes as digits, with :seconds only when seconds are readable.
6:21:46
